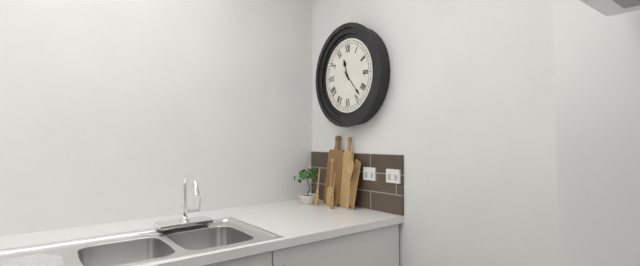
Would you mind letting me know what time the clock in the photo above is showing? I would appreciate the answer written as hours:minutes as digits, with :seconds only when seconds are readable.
11:23
